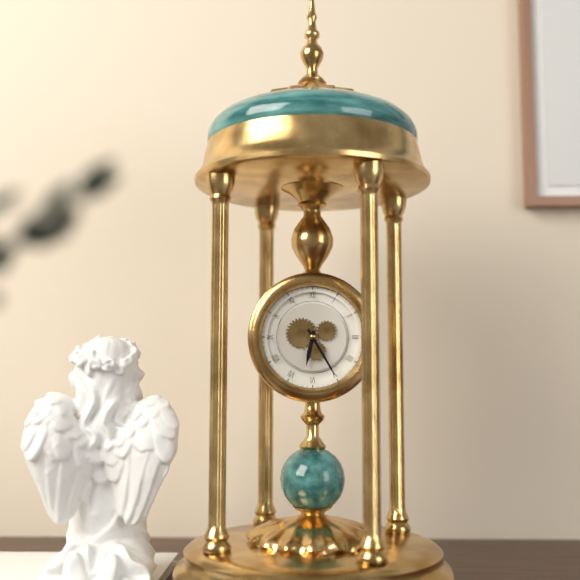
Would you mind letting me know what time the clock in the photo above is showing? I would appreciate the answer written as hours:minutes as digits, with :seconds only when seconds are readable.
6:25
